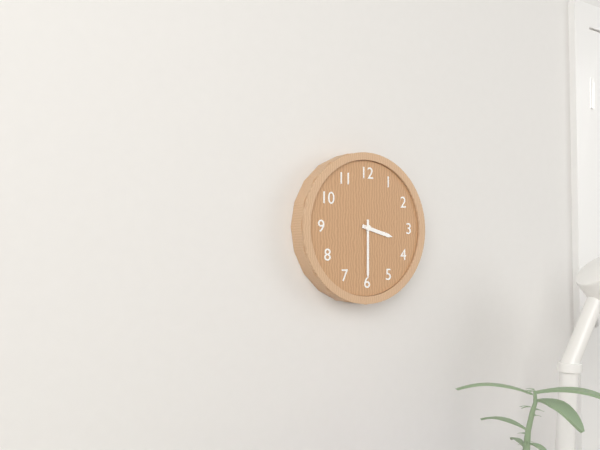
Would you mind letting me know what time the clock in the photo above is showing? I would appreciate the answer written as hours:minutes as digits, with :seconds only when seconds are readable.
3:30
